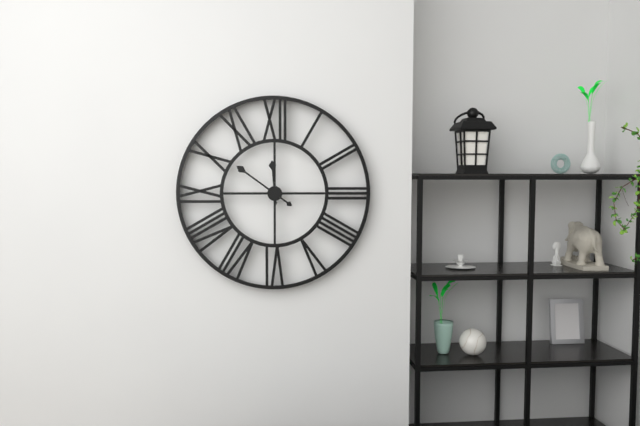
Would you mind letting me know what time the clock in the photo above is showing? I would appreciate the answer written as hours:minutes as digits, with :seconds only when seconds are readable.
11:51
